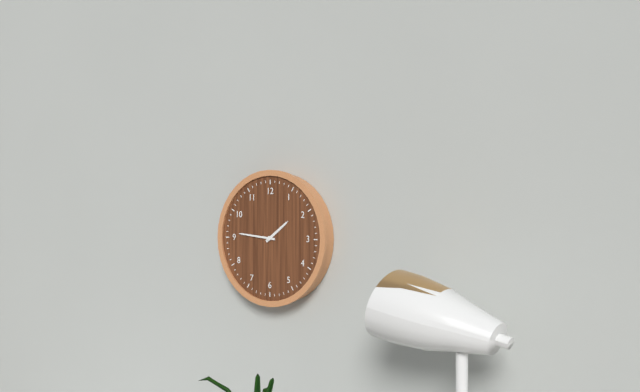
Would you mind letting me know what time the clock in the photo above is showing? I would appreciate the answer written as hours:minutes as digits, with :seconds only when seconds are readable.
1:46
